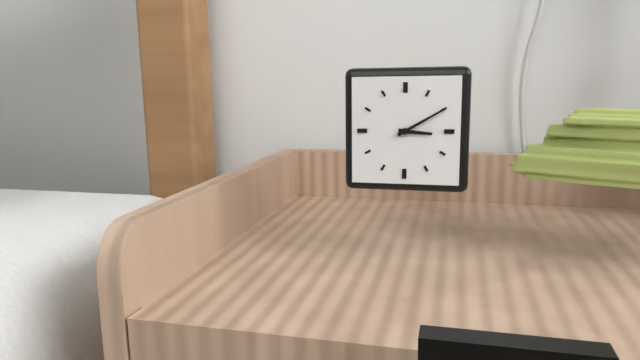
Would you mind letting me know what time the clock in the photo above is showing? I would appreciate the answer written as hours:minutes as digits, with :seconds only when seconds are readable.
3:10
